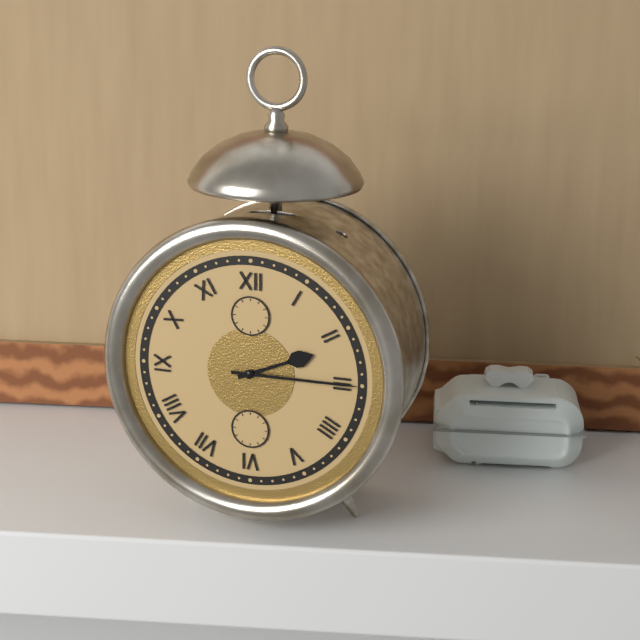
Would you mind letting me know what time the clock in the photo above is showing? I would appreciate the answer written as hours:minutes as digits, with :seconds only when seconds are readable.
2:15
